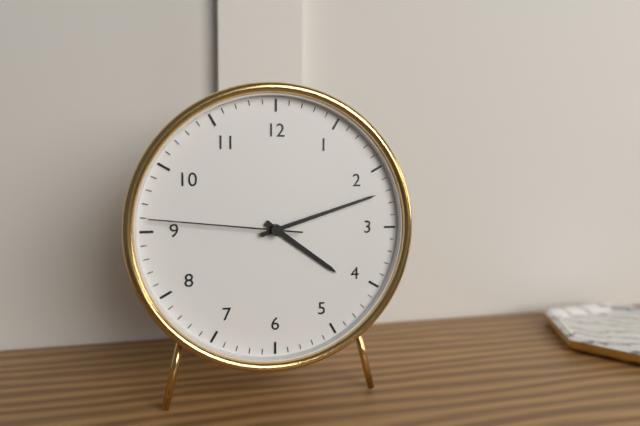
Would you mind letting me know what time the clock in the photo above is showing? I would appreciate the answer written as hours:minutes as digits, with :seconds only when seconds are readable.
4:12:46
